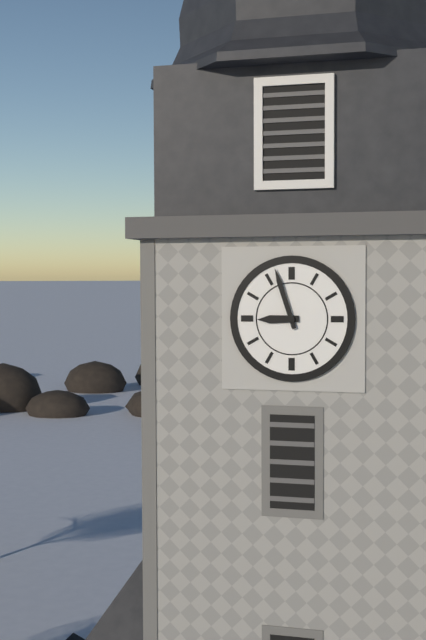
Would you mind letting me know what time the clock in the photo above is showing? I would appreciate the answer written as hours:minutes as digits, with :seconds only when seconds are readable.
8:57
